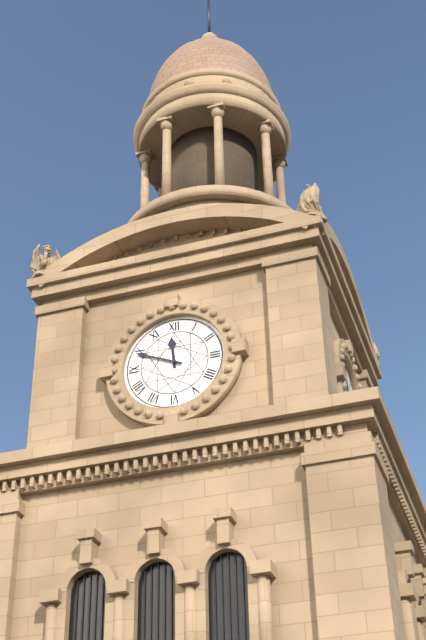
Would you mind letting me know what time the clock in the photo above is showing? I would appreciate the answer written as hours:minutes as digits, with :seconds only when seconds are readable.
11:49
